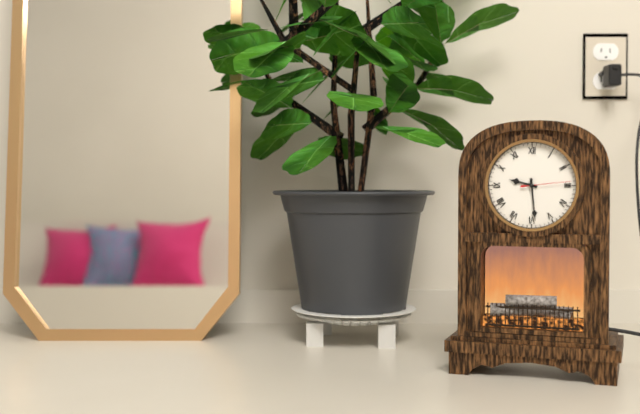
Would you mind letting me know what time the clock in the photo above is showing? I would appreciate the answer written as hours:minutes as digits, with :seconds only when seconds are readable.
9:29
